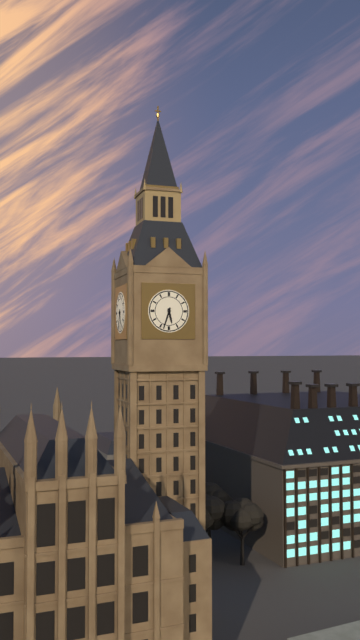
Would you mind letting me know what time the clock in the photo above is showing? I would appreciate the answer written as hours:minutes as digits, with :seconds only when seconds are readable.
5:33
